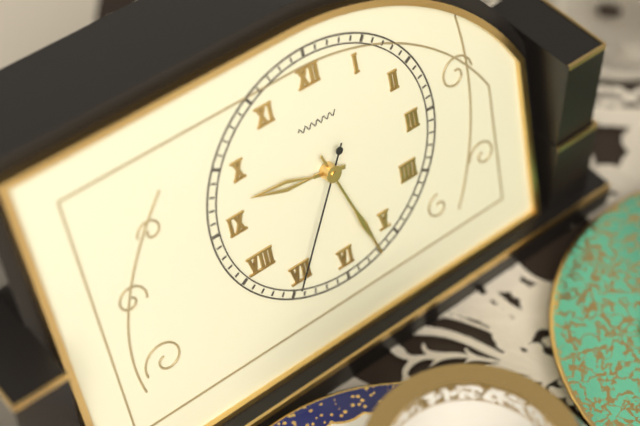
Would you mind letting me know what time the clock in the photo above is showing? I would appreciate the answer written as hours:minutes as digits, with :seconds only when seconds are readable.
9:27:35
